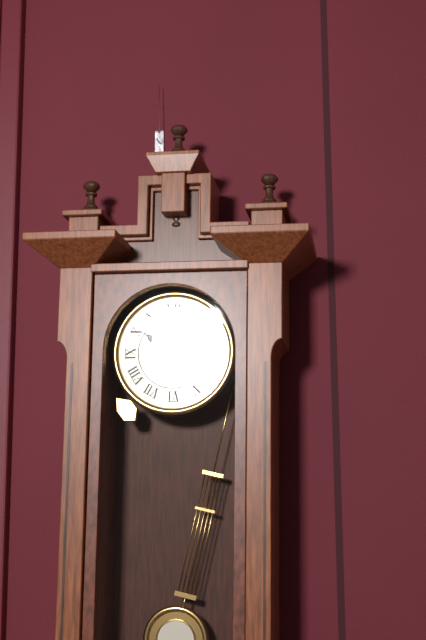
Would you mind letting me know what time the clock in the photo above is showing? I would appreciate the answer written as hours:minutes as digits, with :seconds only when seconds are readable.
10:08
